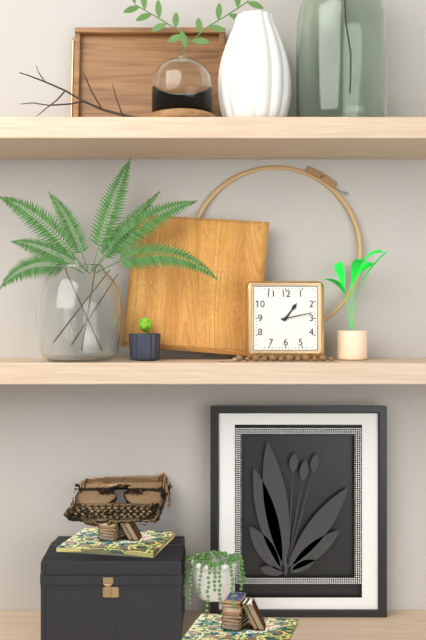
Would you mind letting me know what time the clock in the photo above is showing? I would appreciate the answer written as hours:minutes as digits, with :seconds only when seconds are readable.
1:13
